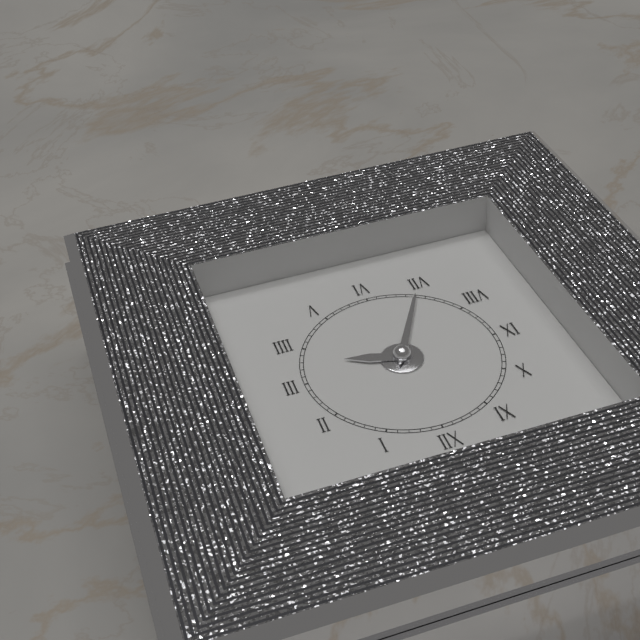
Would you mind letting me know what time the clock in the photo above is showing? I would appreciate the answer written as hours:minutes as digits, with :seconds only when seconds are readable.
3:35
